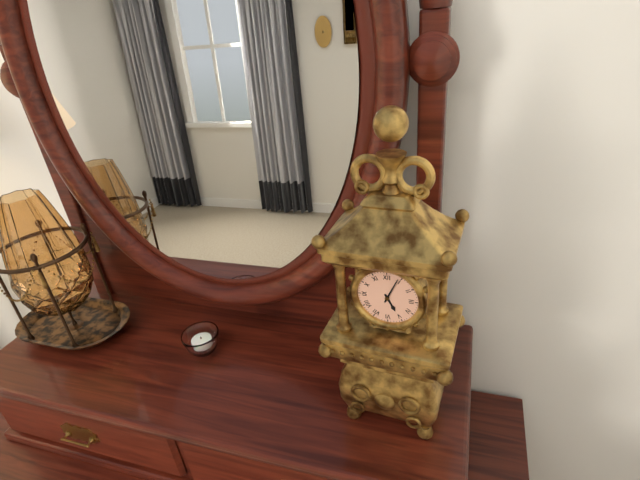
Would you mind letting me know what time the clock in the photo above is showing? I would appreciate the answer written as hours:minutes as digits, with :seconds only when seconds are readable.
5:04
